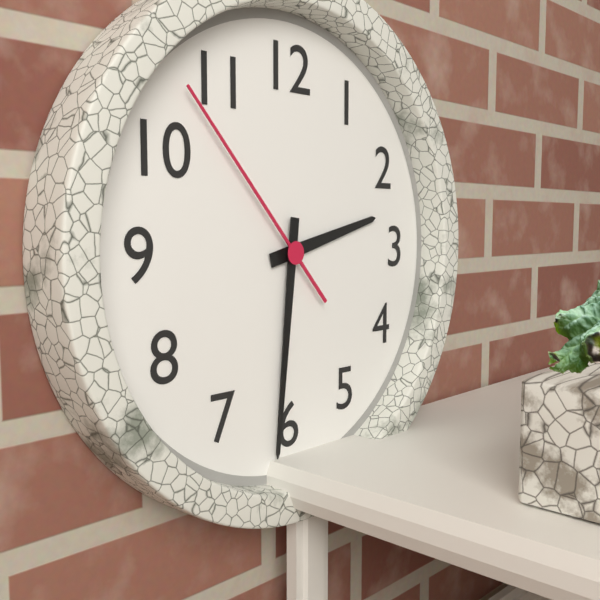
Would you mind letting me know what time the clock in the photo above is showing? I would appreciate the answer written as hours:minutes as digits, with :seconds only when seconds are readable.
2:31:53
